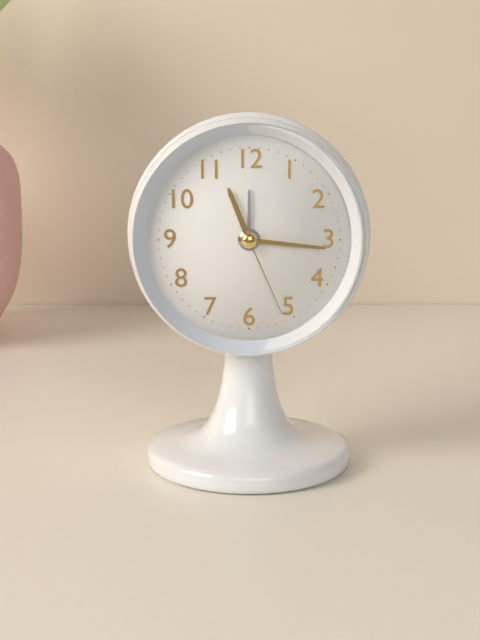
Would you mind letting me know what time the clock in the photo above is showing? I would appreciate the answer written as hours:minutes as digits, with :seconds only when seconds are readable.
11:16:26
